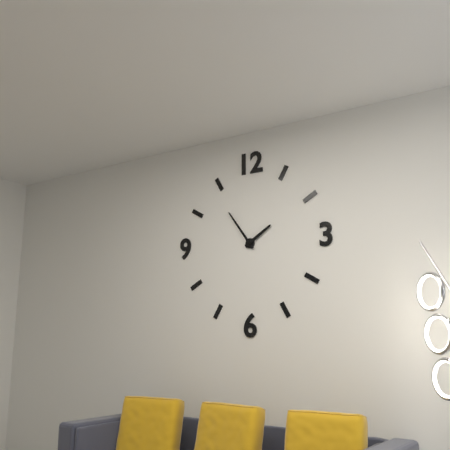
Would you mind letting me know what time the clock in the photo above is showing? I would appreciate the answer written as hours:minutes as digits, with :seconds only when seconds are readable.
1:54
